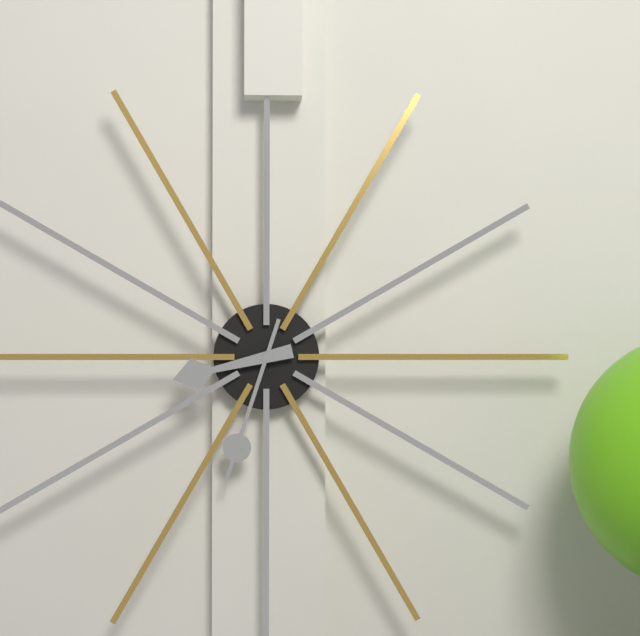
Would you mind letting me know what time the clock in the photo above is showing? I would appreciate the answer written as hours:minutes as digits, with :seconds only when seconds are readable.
8:33
